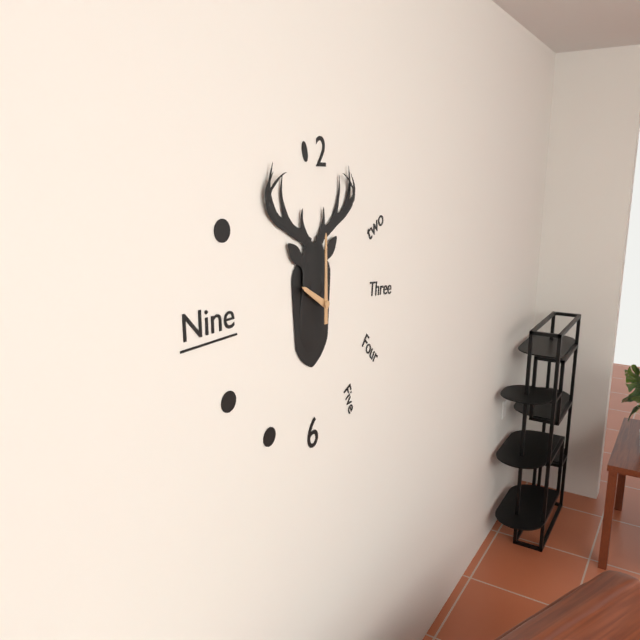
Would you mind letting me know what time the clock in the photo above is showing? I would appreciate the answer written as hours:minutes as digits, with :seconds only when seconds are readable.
10:00
